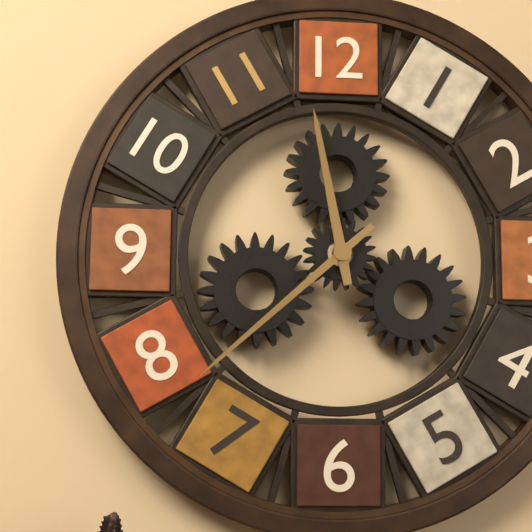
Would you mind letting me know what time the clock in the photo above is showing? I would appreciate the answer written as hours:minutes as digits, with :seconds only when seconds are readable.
11:38
